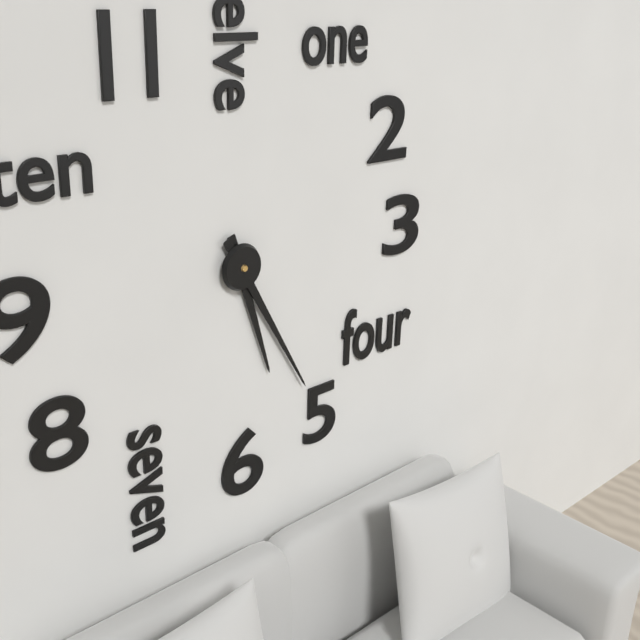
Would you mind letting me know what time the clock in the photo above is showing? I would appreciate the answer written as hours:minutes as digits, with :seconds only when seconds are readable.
5:25
